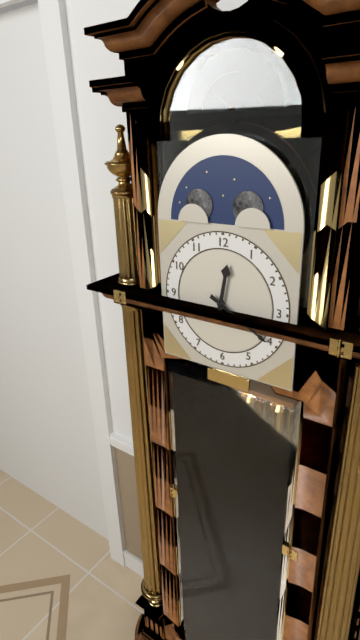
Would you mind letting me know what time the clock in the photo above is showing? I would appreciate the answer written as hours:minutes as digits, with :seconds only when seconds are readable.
12:20
